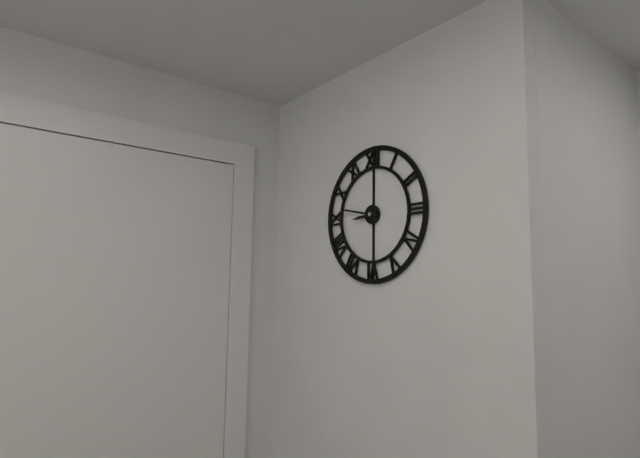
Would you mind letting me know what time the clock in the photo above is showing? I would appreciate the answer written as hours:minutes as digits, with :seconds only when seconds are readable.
8:47
